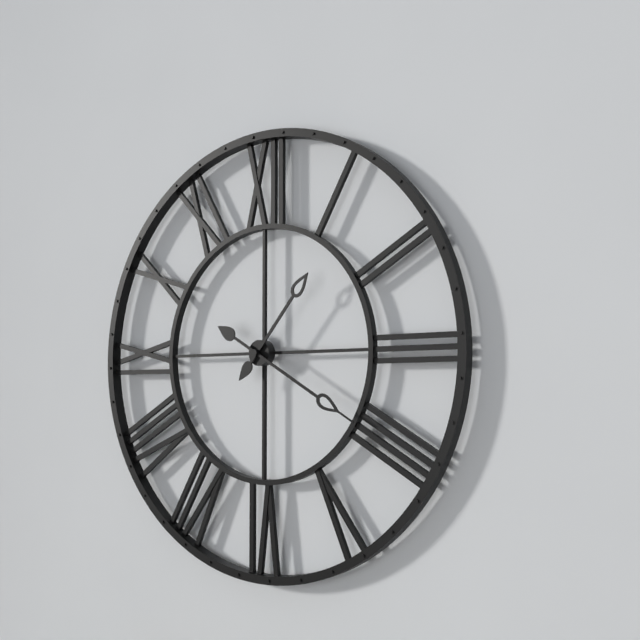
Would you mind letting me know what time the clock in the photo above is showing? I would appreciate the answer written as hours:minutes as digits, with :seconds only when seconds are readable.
1:20
